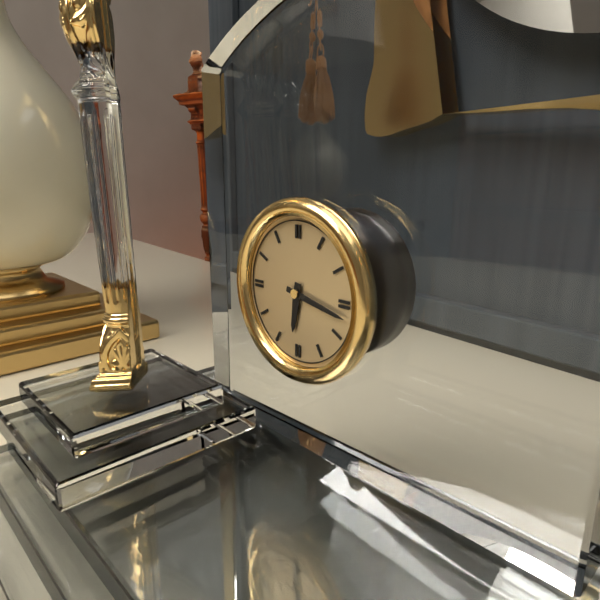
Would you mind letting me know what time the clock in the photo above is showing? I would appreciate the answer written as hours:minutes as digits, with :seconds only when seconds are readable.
6:17
